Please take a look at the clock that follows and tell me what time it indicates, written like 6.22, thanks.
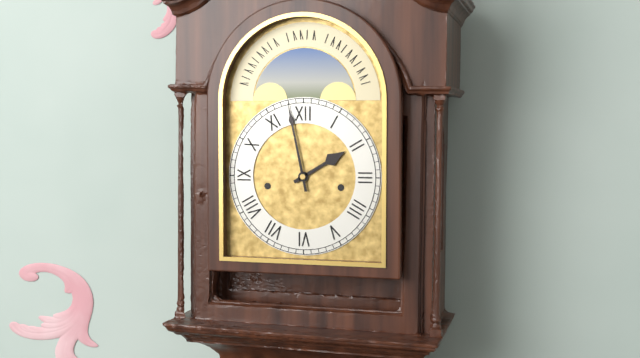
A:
1.58
